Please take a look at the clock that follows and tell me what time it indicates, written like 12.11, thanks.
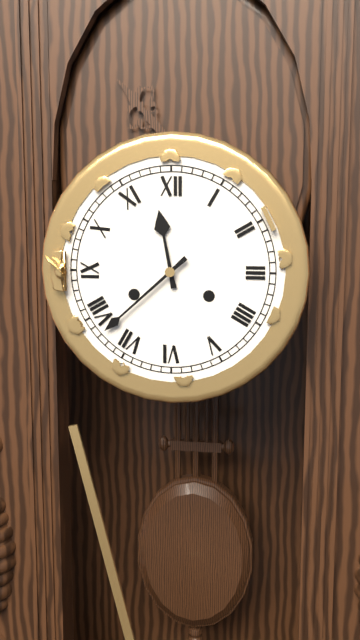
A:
11.38
